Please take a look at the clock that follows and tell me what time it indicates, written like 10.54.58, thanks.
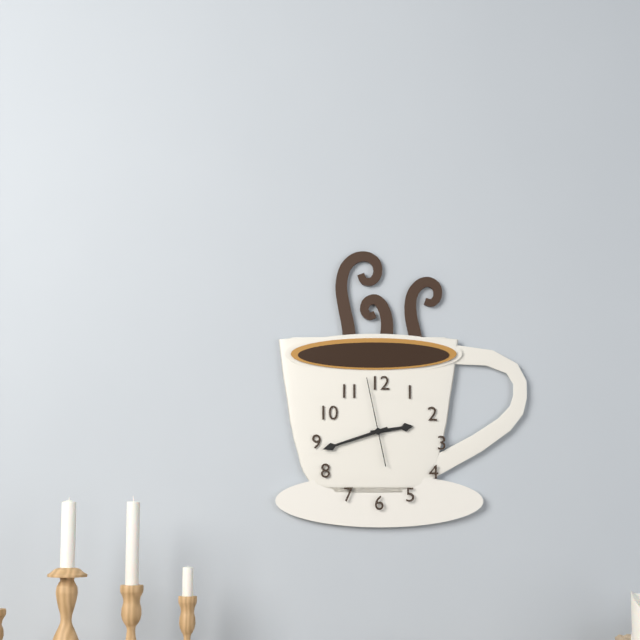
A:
2.42.58
